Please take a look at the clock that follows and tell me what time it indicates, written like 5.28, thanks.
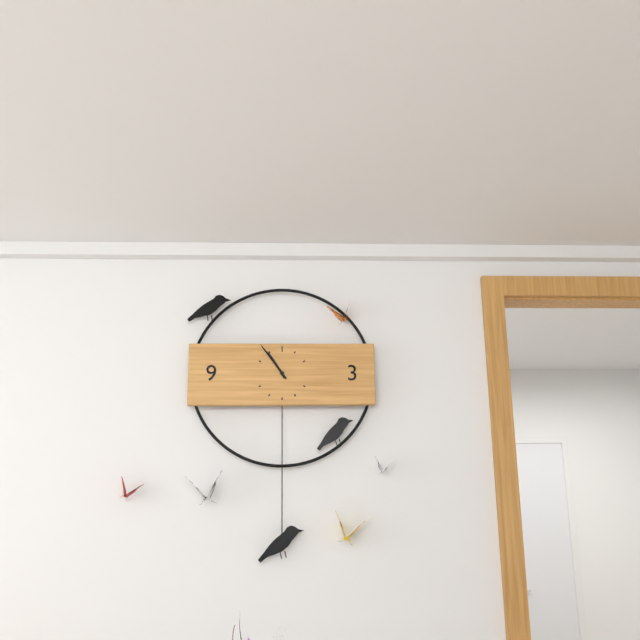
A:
10.54
